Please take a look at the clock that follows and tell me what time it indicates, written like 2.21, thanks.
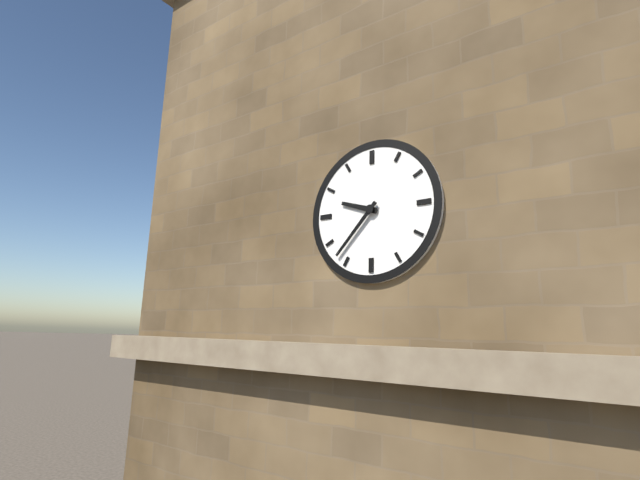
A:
9.37
